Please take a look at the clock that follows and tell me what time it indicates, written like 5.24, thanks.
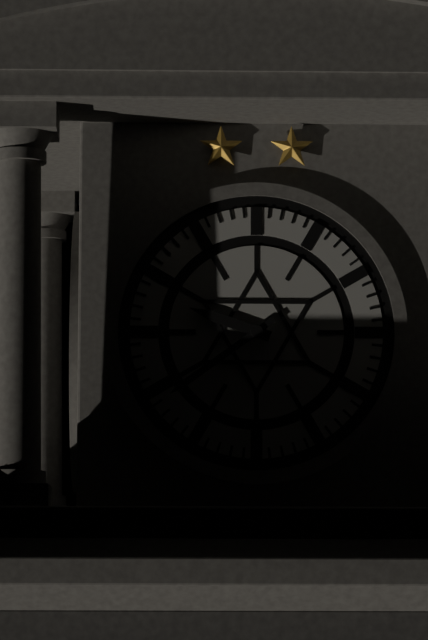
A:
9.39
